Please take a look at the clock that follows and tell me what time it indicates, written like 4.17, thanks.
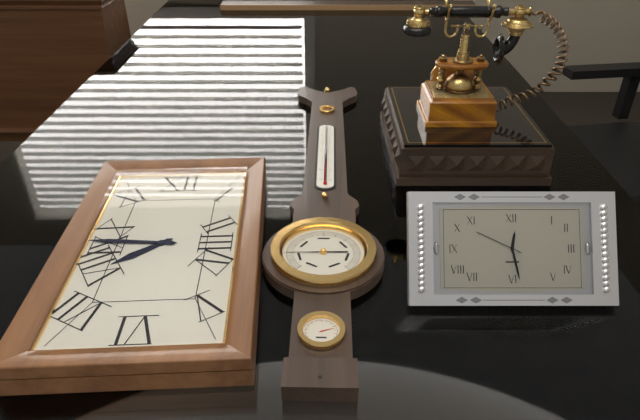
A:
7.46
